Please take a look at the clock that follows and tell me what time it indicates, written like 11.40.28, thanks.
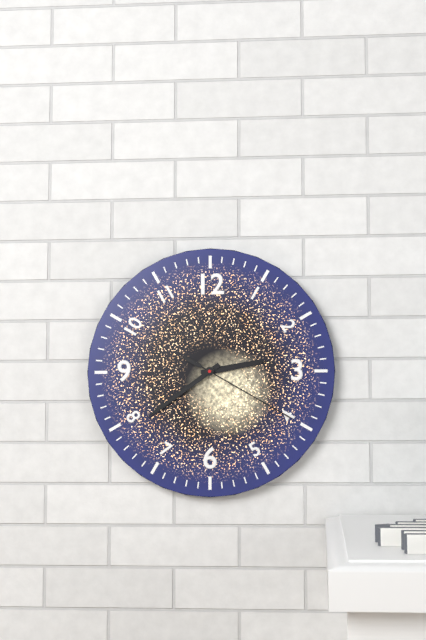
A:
2.39.20
